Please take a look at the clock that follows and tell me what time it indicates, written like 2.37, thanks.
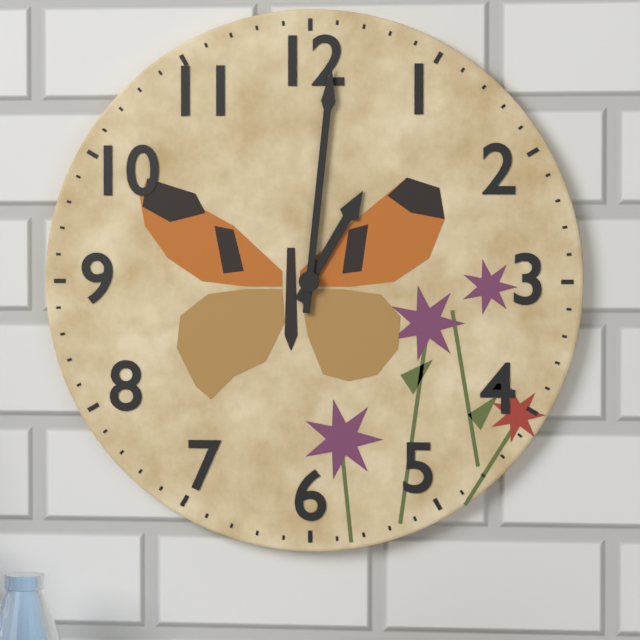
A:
1.01
